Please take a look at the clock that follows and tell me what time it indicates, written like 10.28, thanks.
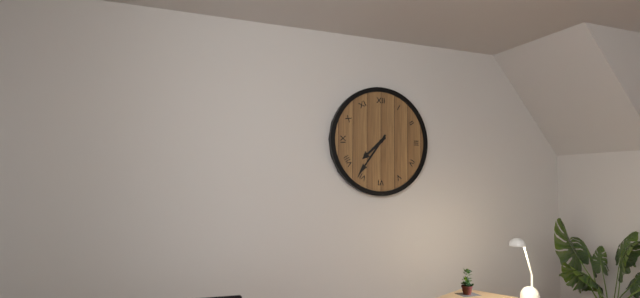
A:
7.36
